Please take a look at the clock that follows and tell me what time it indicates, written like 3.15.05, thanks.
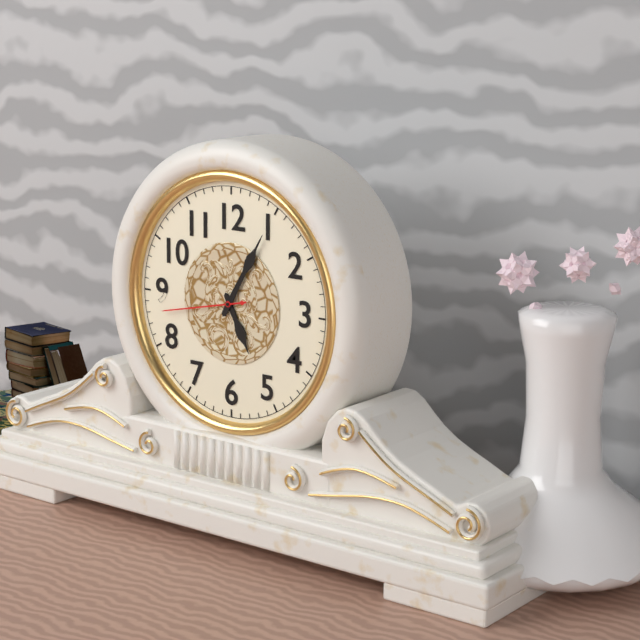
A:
5.05.43
